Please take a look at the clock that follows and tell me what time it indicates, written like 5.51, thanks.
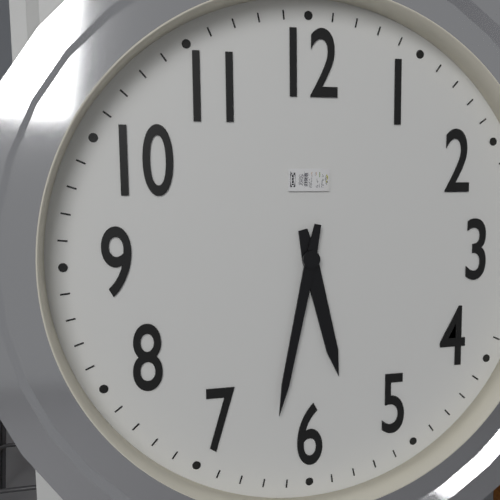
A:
5.32
